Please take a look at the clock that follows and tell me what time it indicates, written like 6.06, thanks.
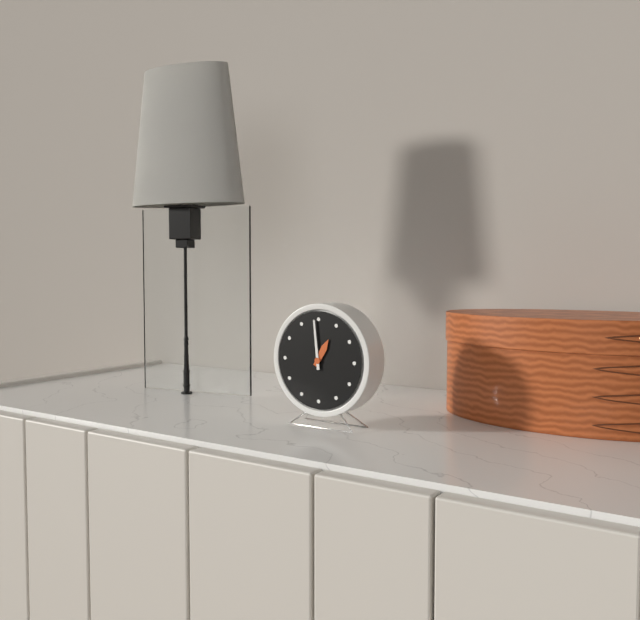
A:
12.59
